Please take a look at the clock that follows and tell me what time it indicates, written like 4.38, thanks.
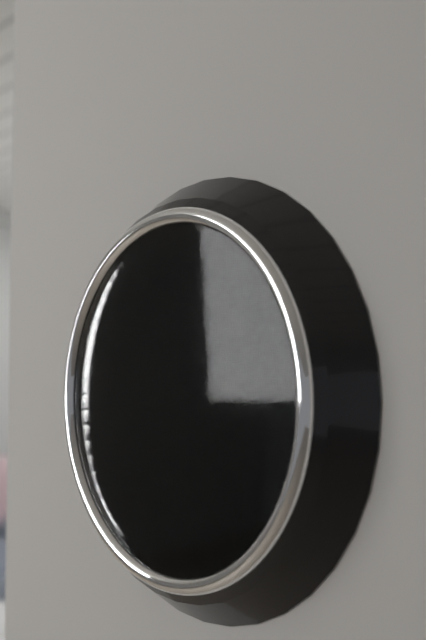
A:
1.41
